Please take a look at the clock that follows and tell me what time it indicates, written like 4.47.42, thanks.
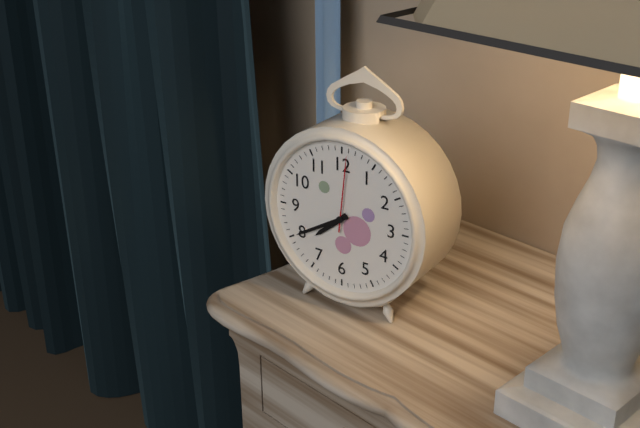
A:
7.40.01
